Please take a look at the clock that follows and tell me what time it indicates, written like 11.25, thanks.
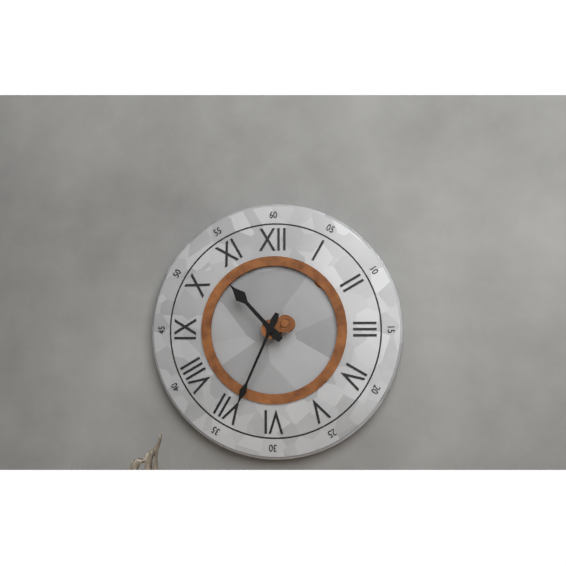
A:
10.34
